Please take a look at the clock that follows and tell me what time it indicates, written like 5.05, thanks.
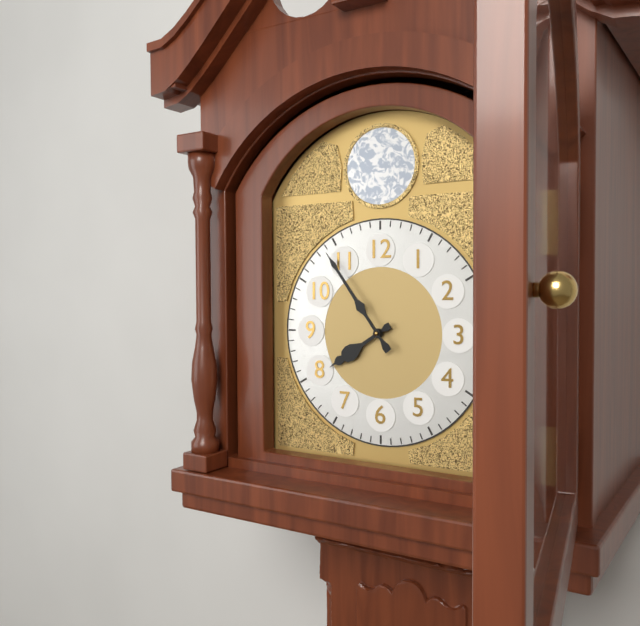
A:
7.54
